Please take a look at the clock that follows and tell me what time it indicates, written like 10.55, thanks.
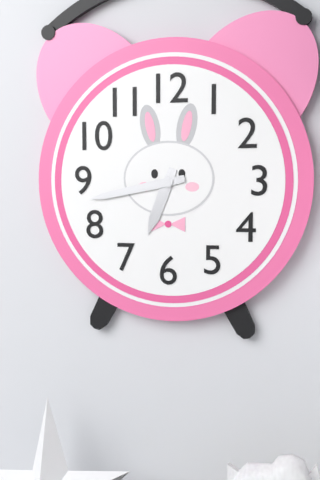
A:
6.43
